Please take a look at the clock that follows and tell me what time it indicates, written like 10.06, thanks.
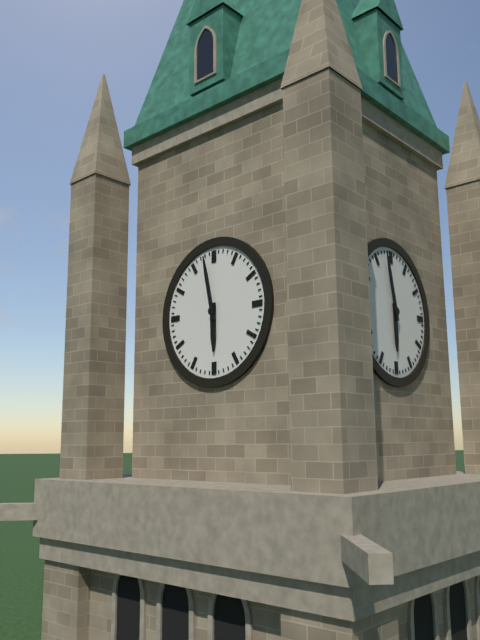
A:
5.58
